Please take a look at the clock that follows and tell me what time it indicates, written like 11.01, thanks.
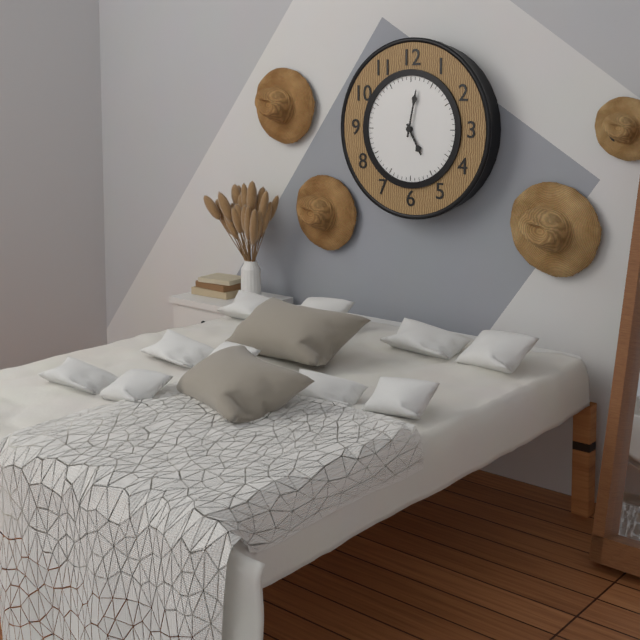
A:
5.02
